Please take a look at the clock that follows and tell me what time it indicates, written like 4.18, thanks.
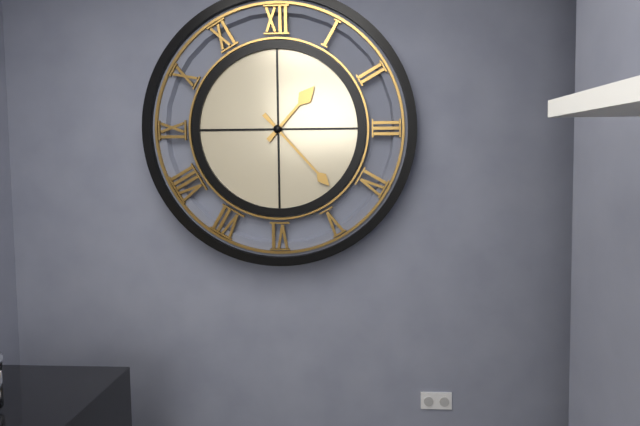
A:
1.23
